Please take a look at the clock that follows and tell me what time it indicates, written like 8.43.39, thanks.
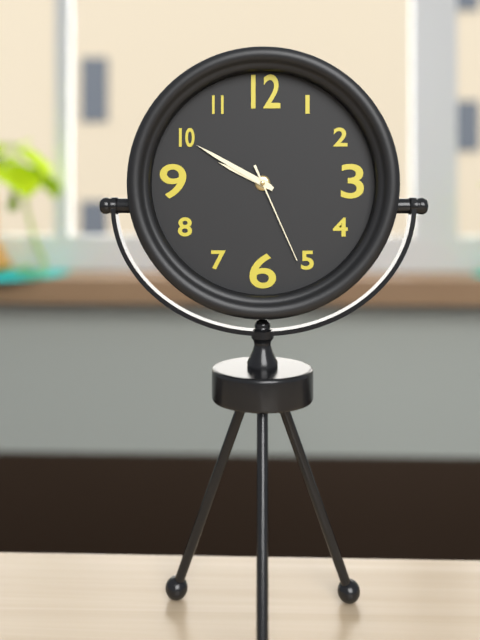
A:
9.50.26
